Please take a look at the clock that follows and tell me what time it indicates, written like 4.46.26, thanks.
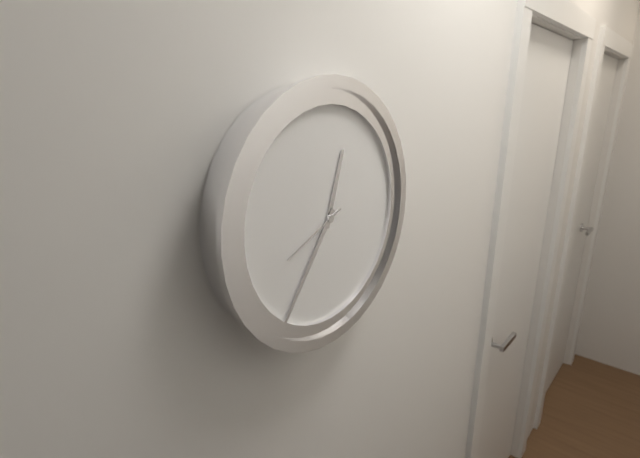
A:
12.36.41
